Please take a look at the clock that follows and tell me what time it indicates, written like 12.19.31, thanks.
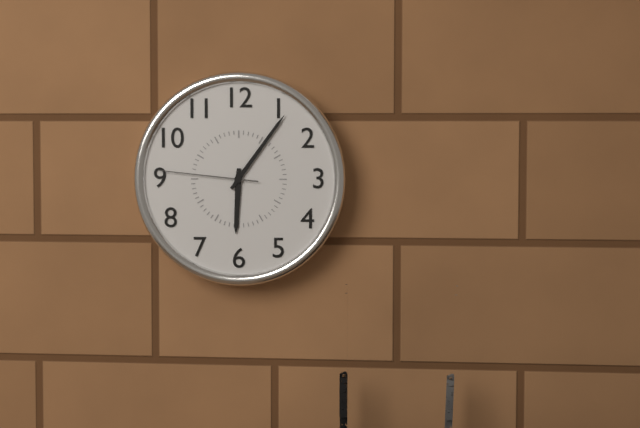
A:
6.06.46
